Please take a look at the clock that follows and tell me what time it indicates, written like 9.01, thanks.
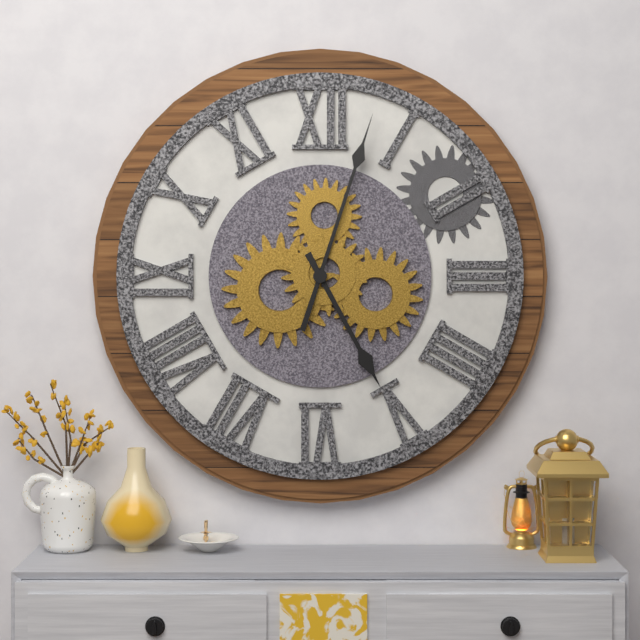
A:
5.03
